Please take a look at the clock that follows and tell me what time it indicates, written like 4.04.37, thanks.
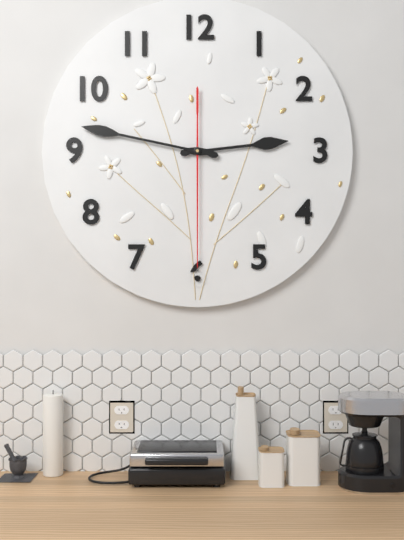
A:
2.47.30
